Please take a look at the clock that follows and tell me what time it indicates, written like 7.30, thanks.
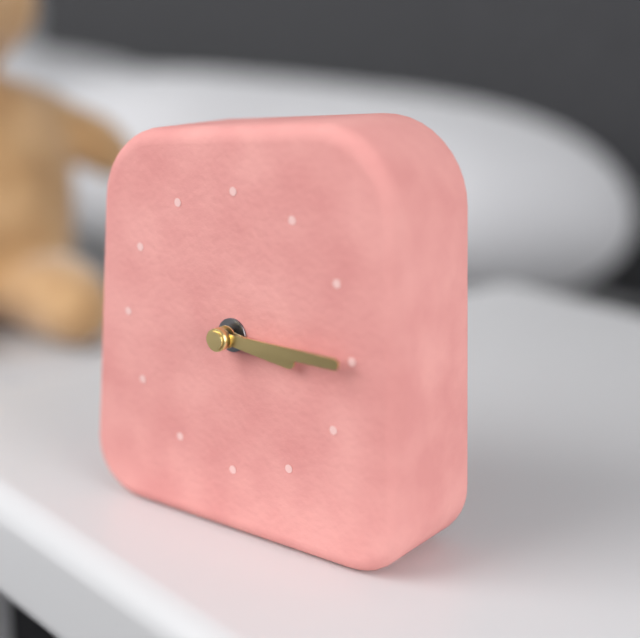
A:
3.15
